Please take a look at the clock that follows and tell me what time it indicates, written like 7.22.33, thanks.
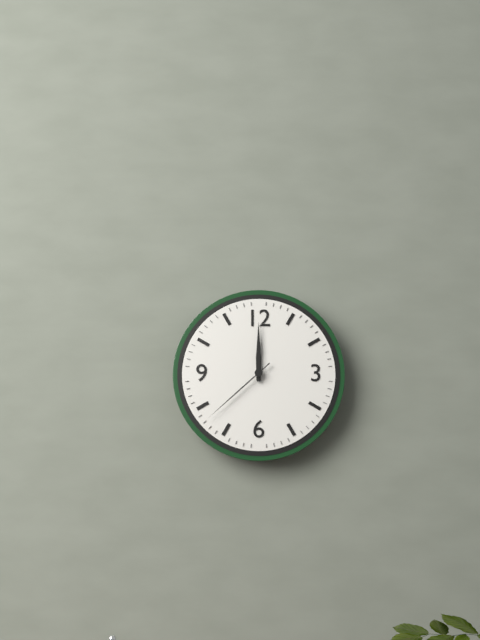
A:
12.00.38
